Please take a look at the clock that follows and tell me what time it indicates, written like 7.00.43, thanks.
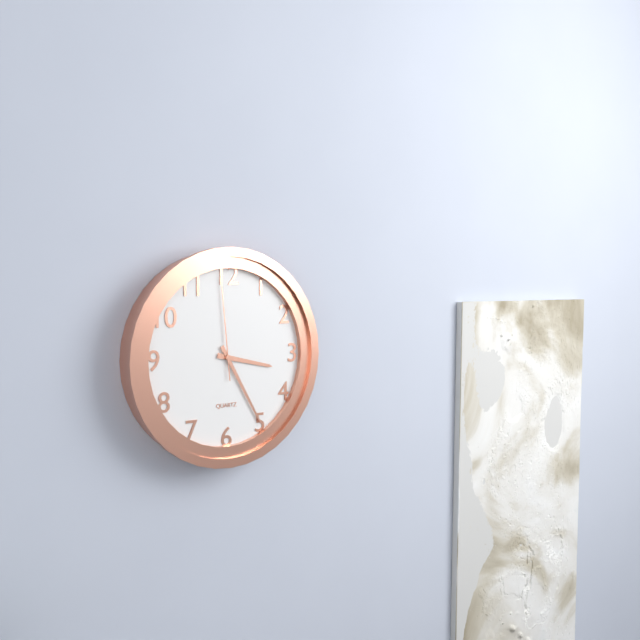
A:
3.25.59
